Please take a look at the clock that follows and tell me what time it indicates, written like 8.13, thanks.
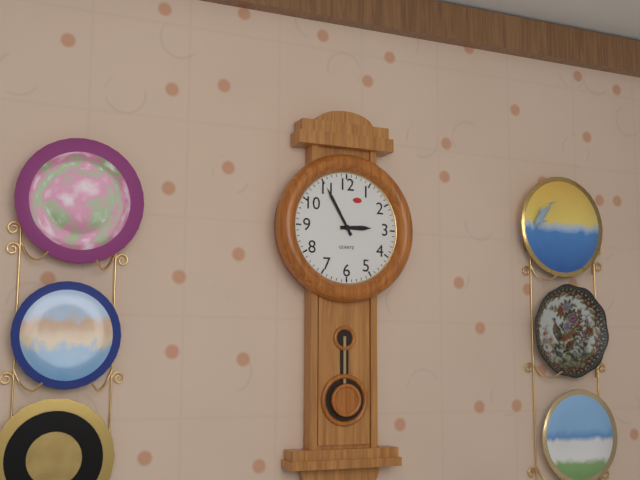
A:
2.55
